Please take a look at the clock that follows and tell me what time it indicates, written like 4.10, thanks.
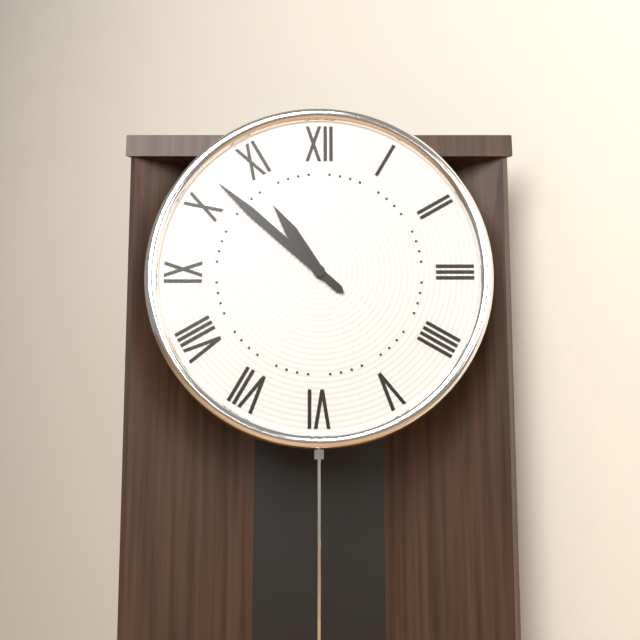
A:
10.52
